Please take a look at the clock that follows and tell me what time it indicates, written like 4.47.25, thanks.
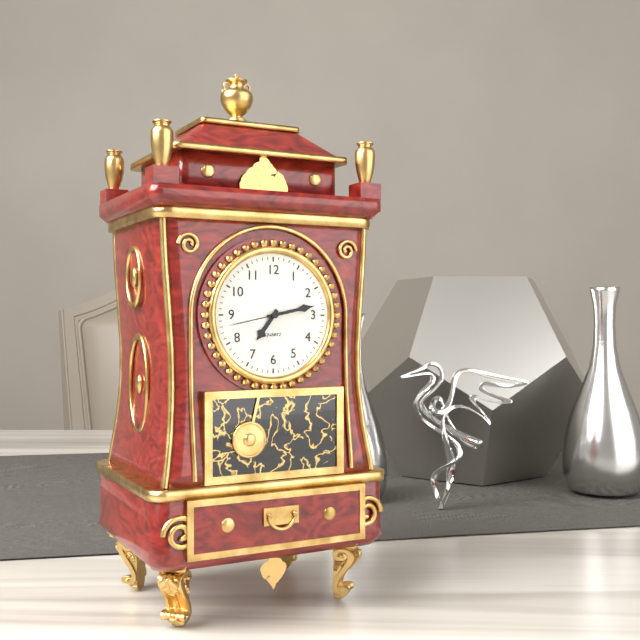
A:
7.13.43
